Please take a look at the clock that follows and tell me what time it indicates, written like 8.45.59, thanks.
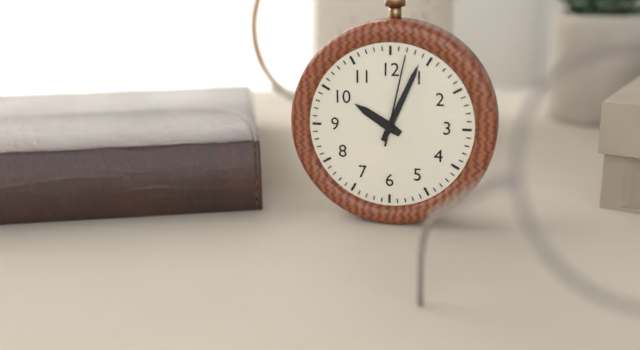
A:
10.04.02
